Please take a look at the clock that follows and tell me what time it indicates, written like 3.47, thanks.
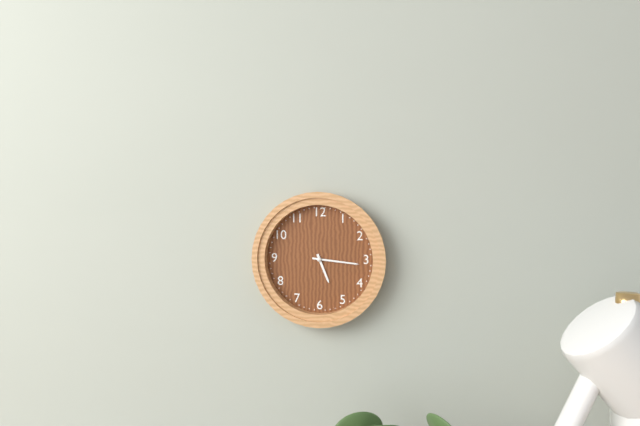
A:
5.16
